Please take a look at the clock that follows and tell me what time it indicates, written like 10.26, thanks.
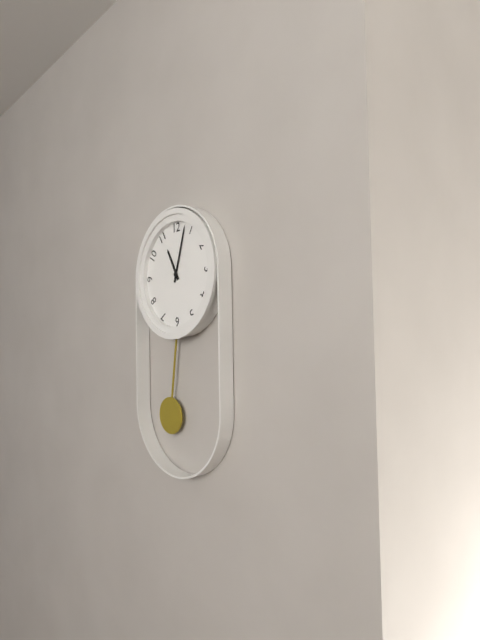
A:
11.03
